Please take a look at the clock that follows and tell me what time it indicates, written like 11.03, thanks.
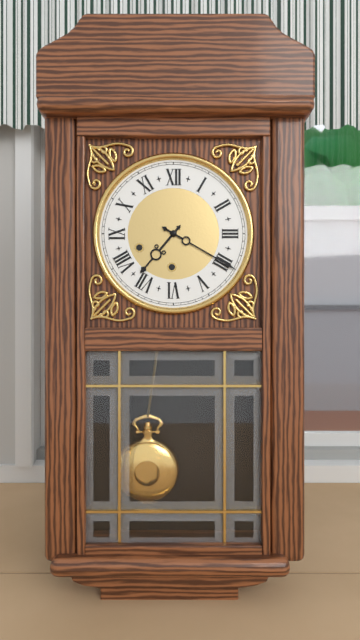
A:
7.20
